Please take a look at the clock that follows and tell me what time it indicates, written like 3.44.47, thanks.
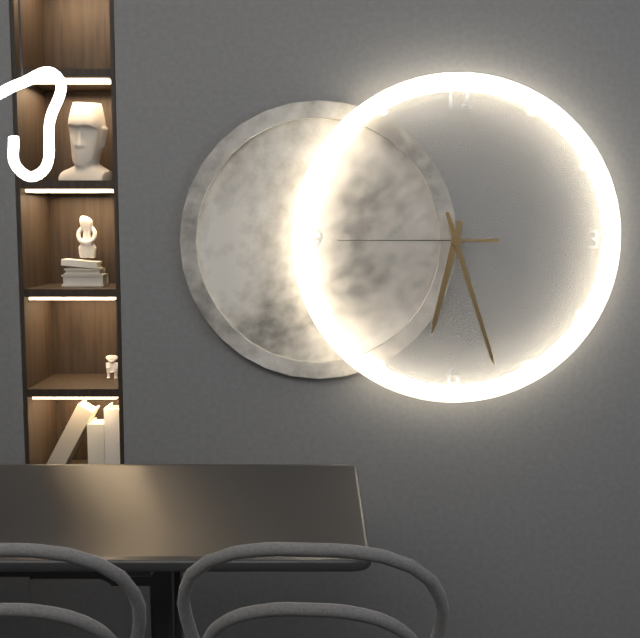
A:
6.27.45
